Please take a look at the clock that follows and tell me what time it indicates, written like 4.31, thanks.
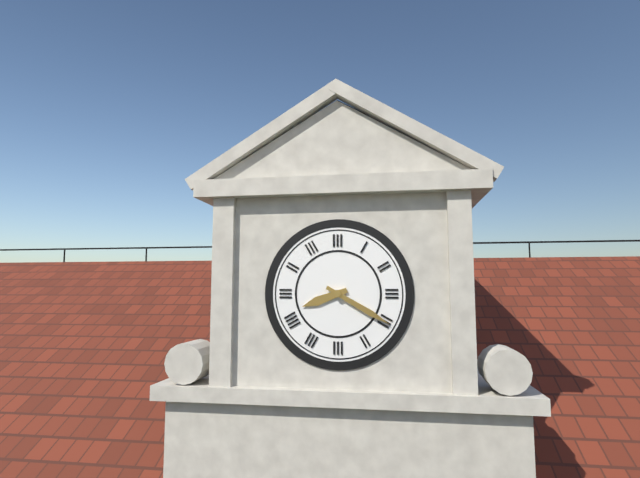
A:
8.20
